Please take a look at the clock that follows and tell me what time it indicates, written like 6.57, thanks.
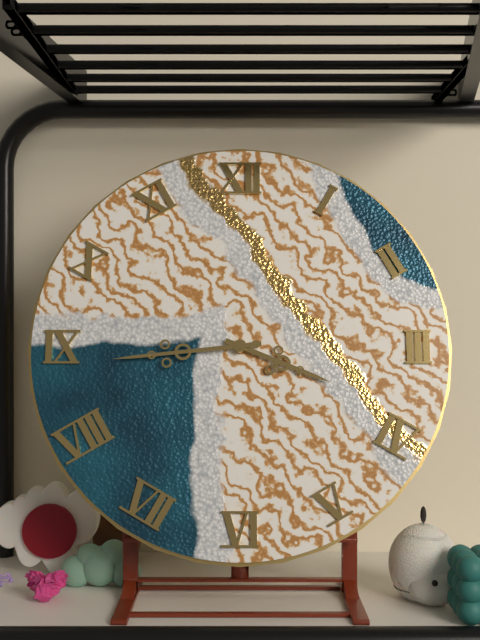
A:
3.44
